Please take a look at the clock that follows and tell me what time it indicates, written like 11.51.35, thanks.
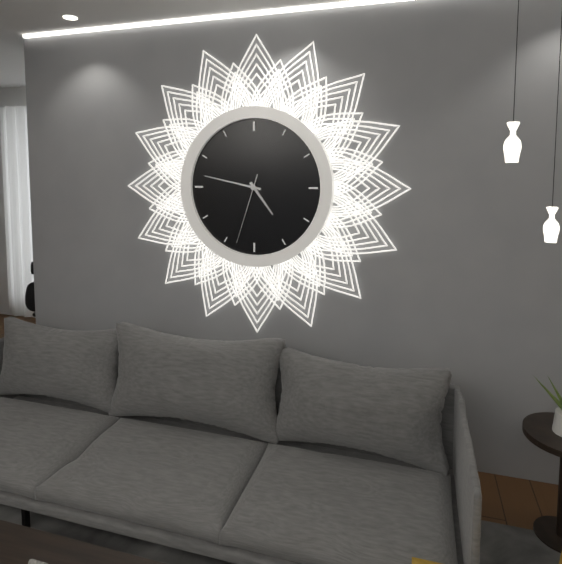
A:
4.47.33
